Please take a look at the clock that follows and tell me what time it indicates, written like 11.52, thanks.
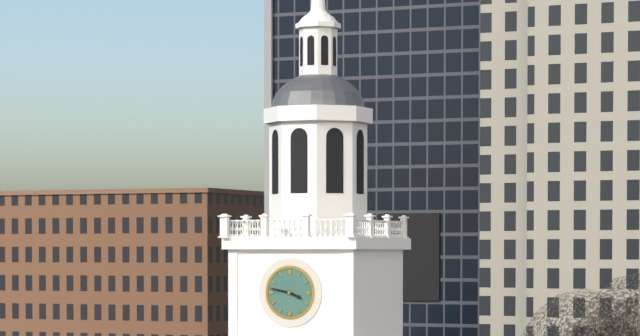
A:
3.47
